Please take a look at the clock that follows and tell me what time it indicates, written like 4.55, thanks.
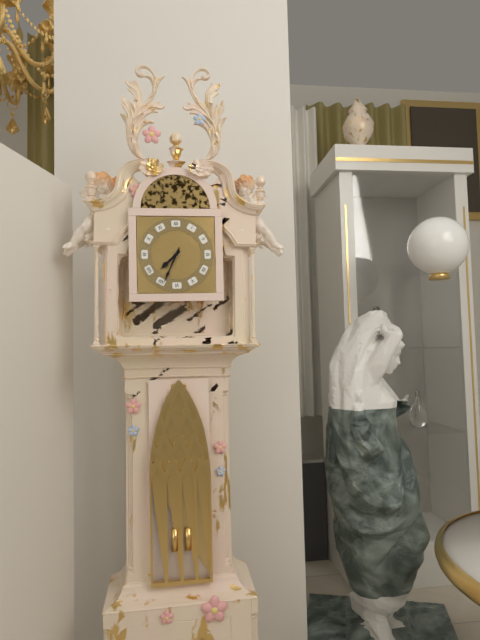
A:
7.34
